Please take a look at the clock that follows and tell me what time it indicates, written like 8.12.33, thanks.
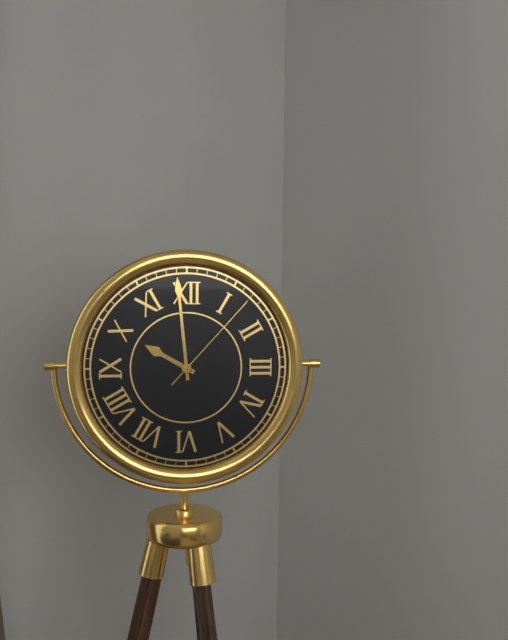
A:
9.59.07
